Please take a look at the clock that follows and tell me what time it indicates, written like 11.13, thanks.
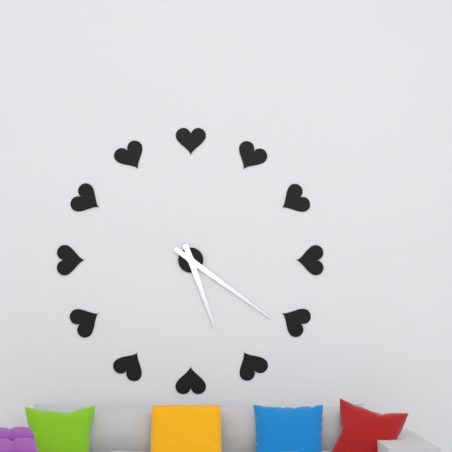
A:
5.21
